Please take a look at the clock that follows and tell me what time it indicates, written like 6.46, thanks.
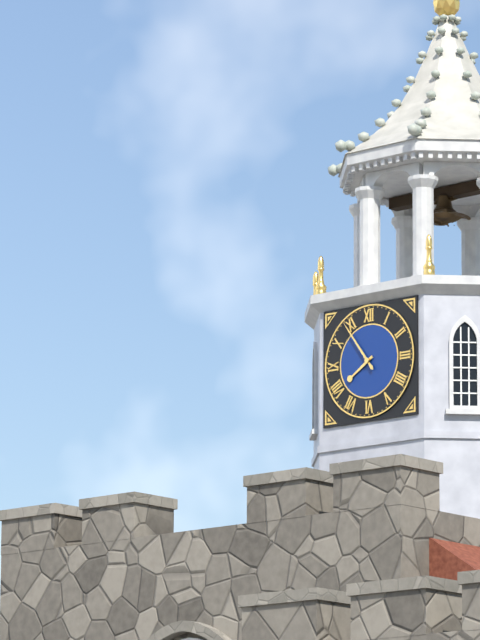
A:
7.54
